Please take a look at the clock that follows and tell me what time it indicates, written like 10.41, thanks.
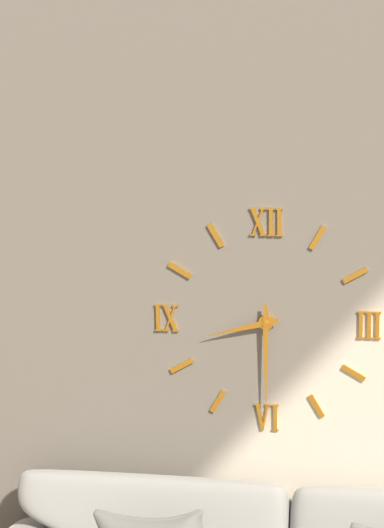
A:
8.30
